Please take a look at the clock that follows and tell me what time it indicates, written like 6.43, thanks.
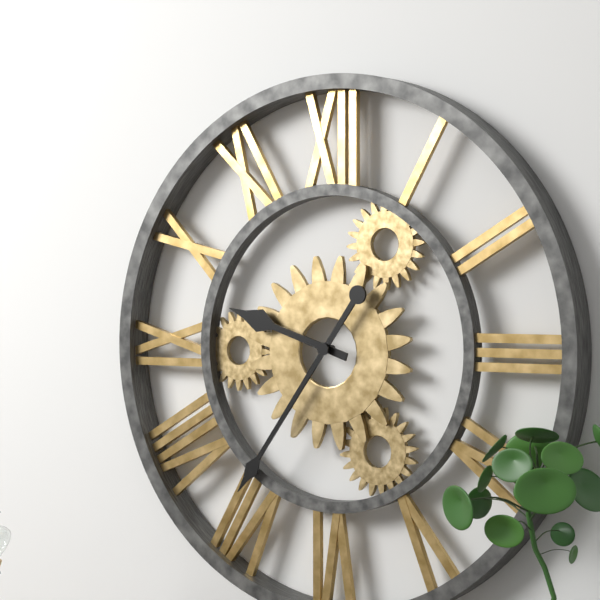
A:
9.36
